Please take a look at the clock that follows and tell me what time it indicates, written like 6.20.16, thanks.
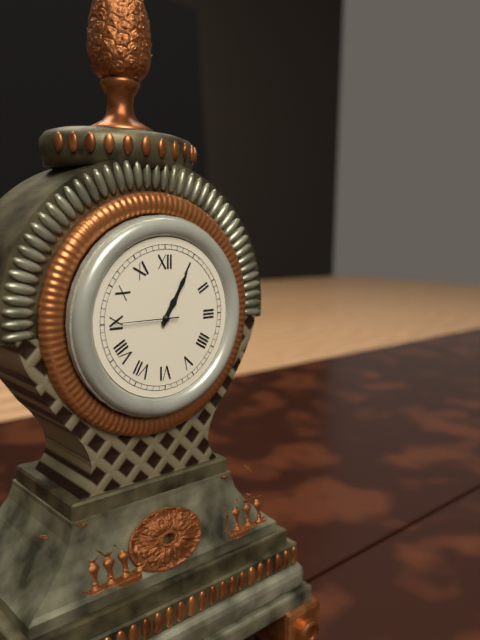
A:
1.05.45
